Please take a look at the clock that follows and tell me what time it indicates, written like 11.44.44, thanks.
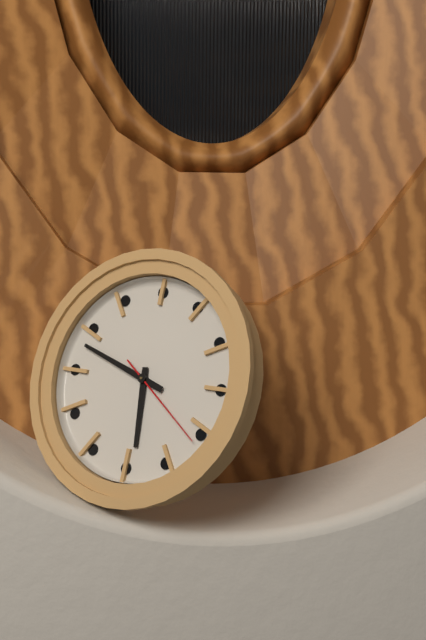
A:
5.48.21
